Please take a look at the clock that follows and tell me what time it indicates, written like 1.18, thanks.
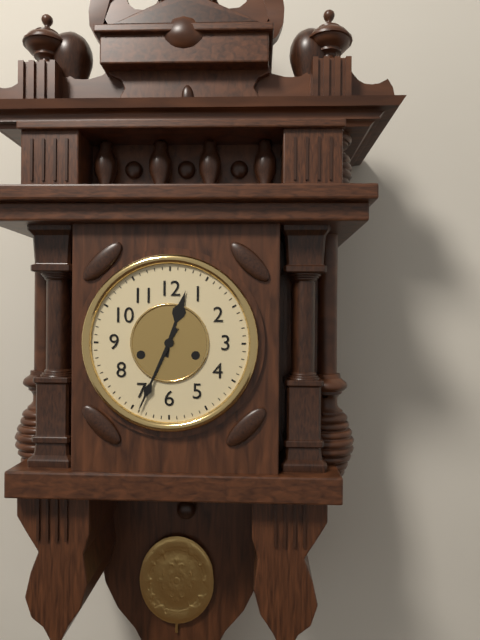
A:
12.34
